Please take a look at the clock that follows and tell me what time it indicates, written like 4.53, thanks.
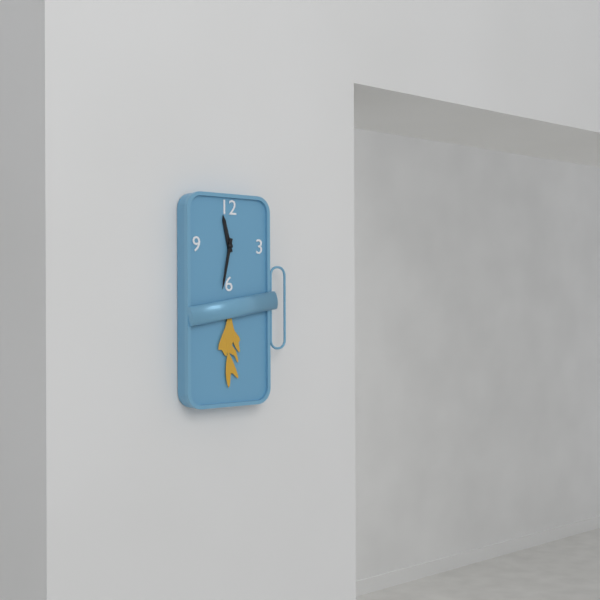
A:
11.32
